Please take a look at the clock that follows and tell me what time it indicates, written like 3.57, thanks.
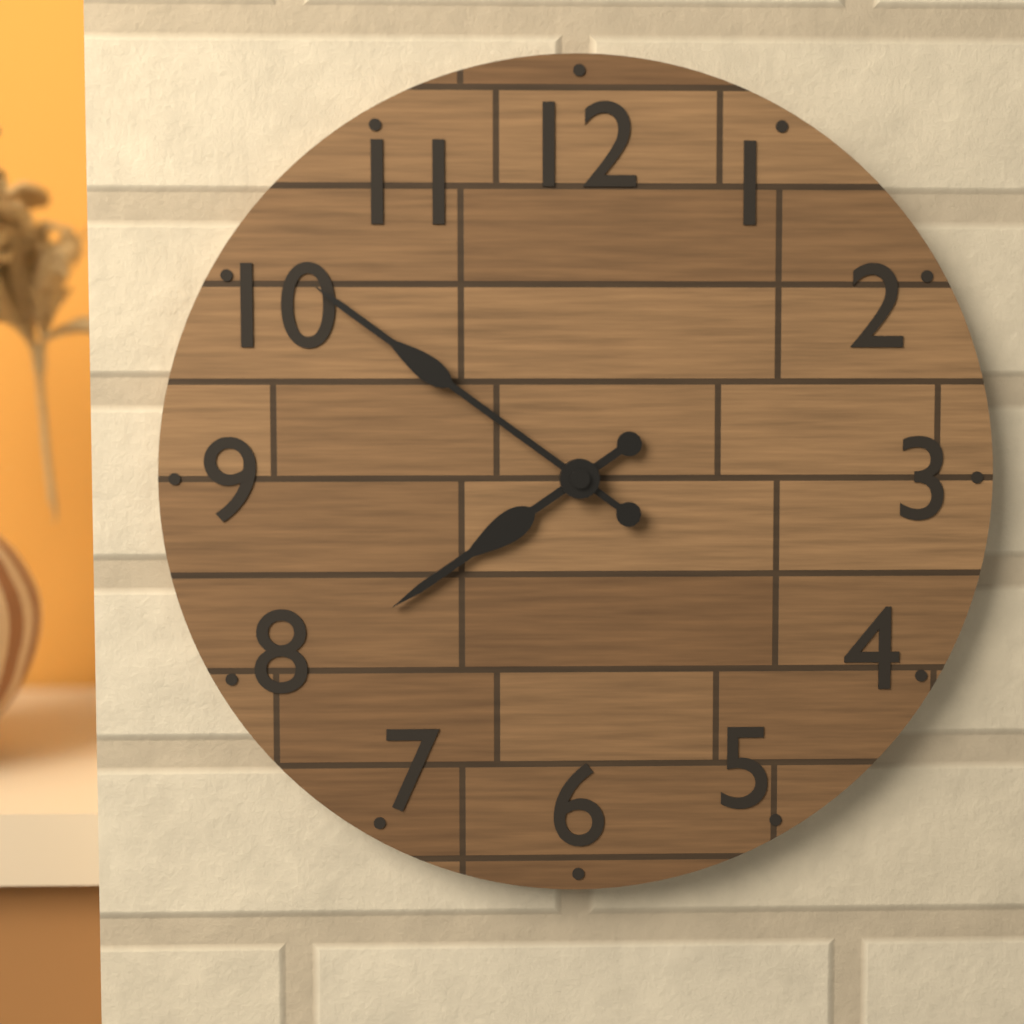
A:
7.51
